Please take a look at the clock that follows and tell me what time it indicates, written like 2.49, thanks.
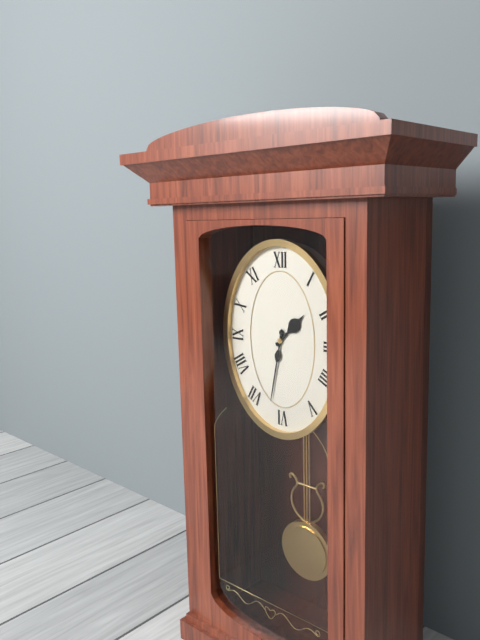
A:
1.32
